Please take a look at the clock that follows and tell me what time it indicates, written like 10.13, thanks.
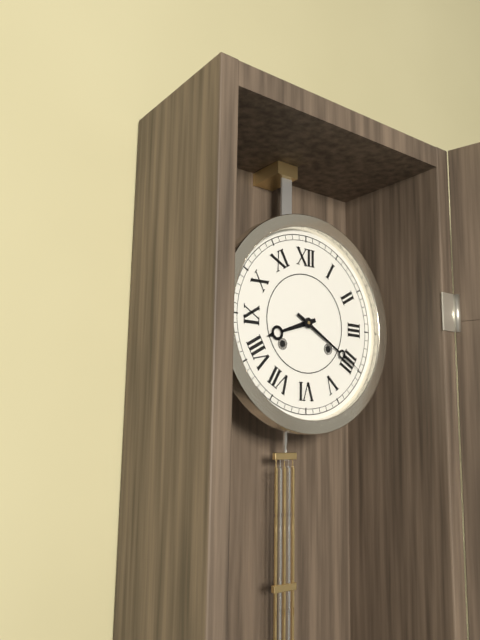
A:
8.20
